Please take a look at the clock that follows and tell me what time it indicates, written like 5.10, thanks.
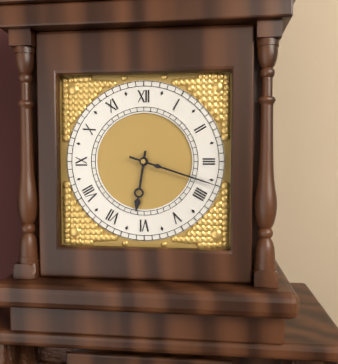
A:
6.18
